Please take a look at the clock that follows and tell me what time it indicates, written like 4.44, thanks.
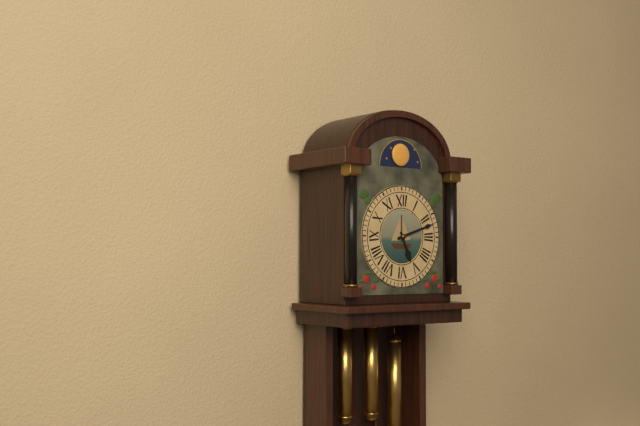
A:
5.12
